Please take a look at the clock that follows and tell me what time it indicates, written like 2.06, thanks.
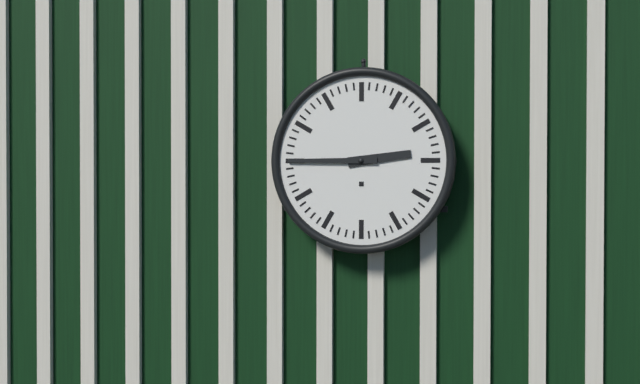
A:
2.45
